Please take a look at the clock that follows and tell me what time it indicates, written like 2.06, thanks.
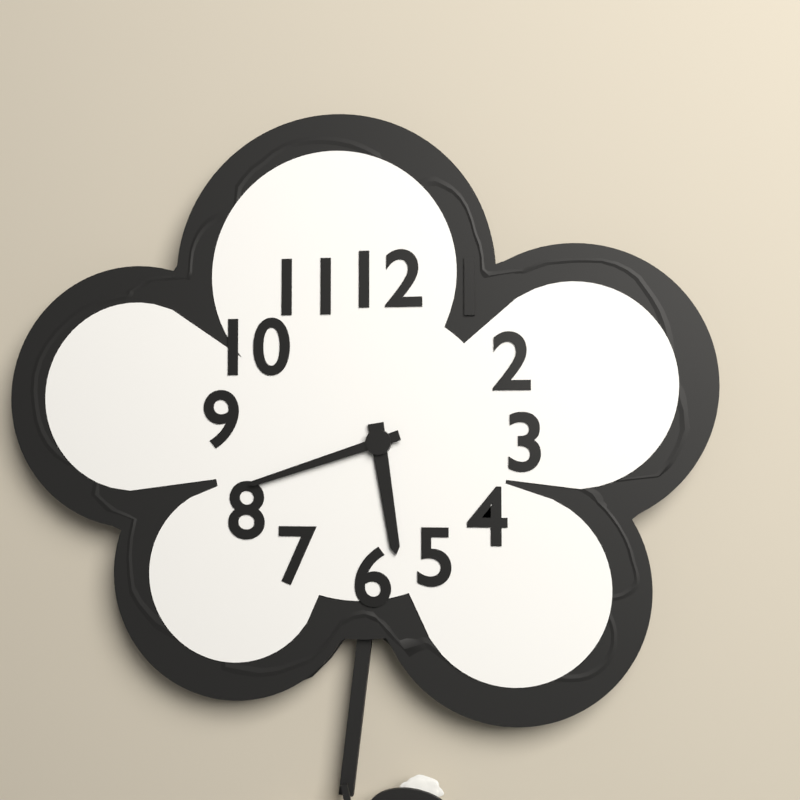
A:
5.42
